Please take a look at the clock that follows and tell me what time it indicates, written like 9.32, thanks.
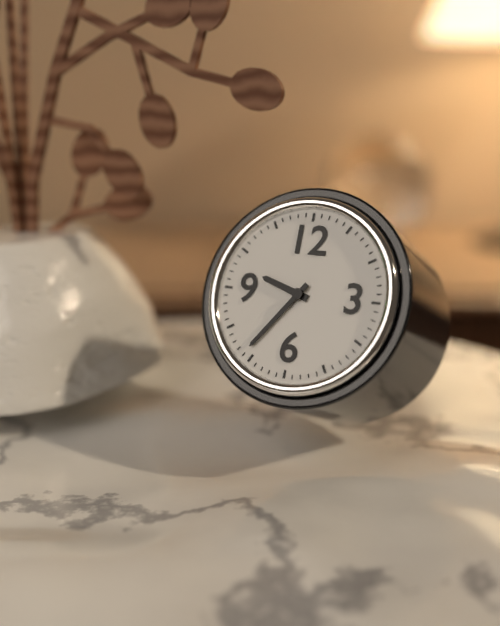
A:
9.36
